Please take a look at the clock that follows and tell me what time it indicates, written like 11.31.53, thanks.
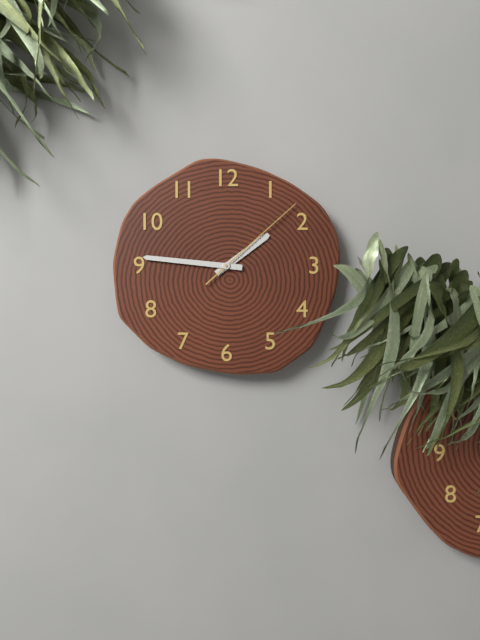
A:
1.46.08
